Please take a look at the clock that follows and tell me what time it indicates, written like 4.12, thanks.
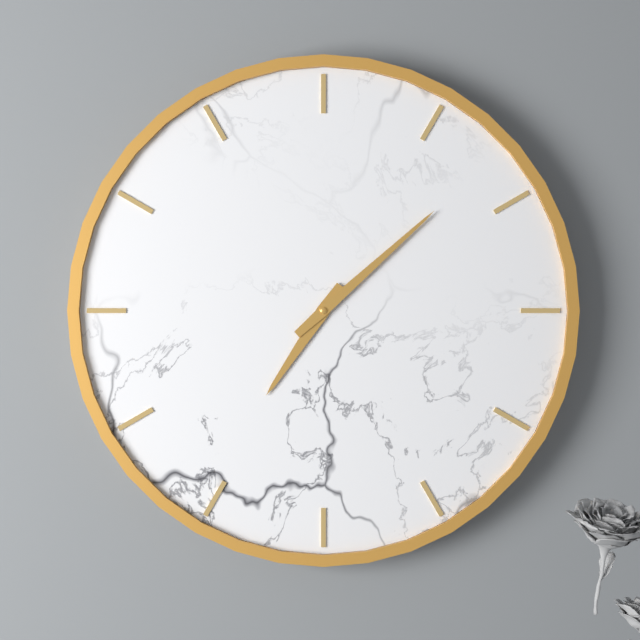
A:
7.08
